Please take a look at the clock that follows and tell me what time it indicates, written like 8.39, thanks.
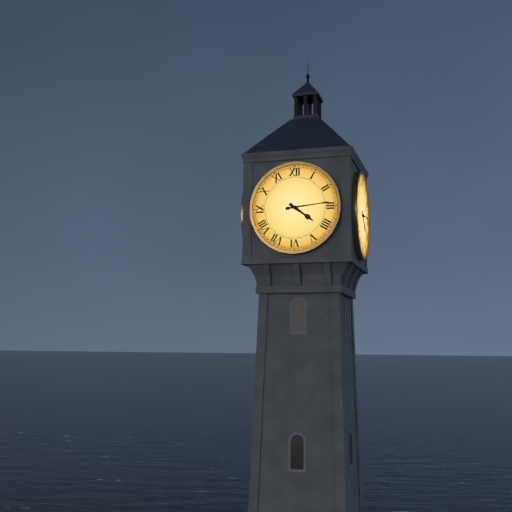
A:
4.14
